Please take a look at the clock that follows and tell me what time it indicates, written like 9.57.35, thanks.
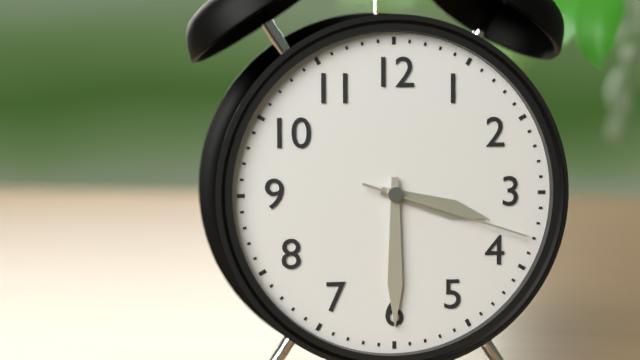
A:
3.30.18
